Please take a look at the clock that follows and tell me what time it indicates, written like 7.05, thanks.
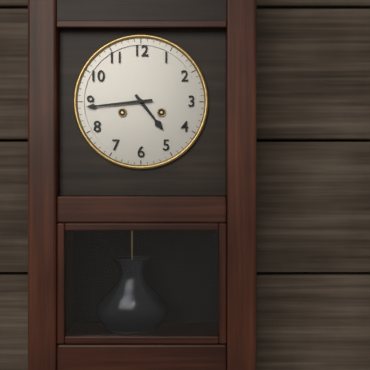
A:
4.44
